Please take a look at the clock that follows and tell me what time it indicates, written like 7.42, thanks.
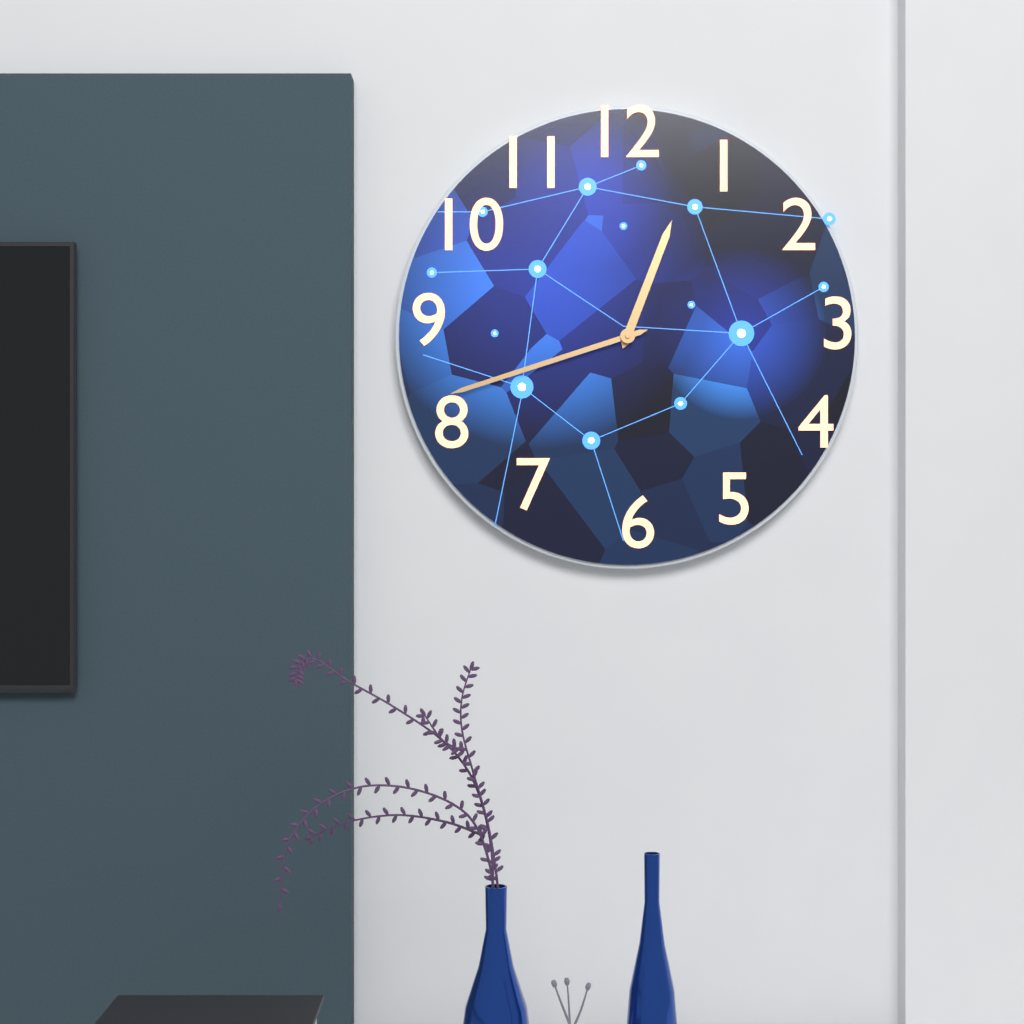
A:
12.42
